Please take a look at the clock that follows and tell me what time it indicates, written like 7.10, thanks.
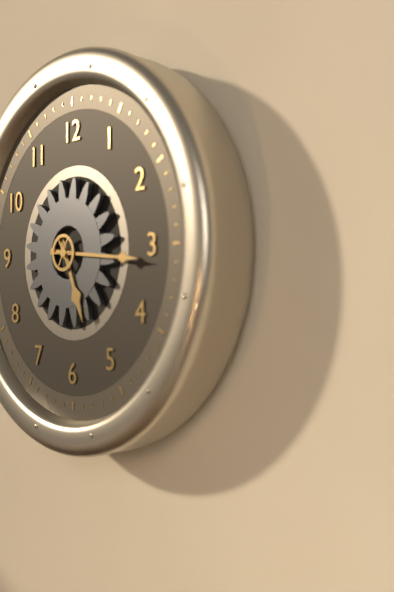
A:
5.16
